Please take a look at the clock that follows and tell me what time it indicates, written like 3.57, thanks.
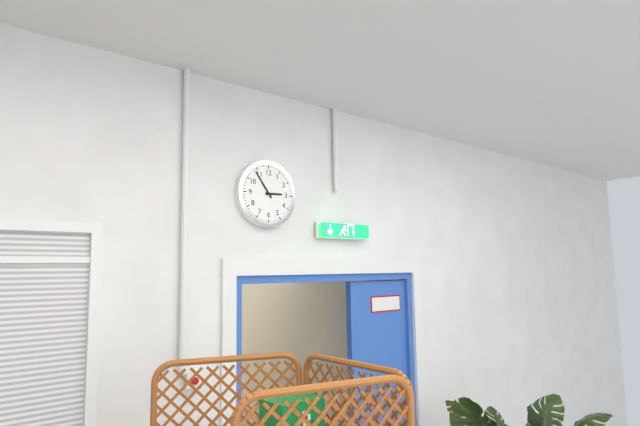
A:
2.54
